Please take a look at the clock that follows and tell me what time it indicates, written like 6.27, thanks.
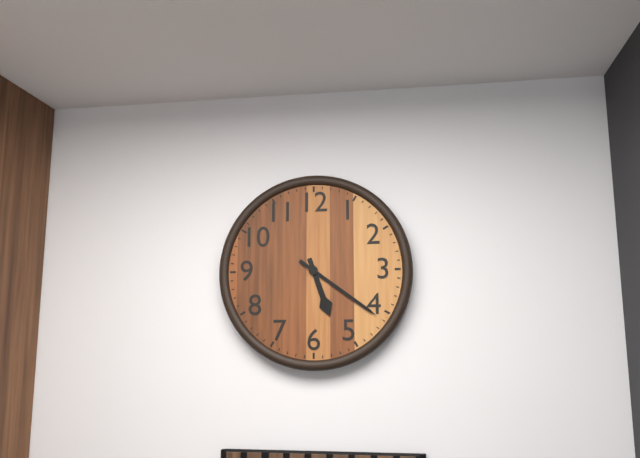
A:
5.21
